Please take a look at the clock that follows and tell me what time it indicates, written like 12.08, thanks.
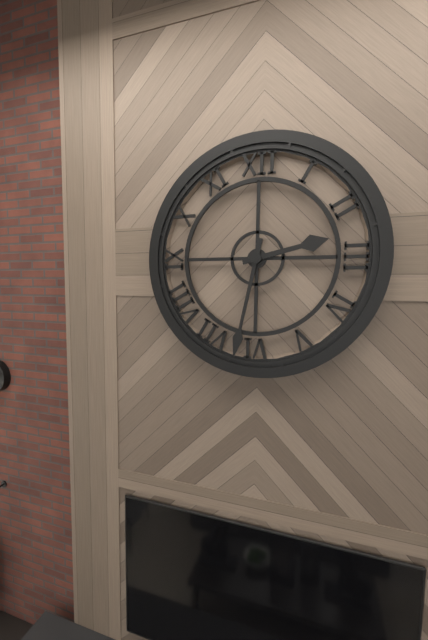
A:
2.32
